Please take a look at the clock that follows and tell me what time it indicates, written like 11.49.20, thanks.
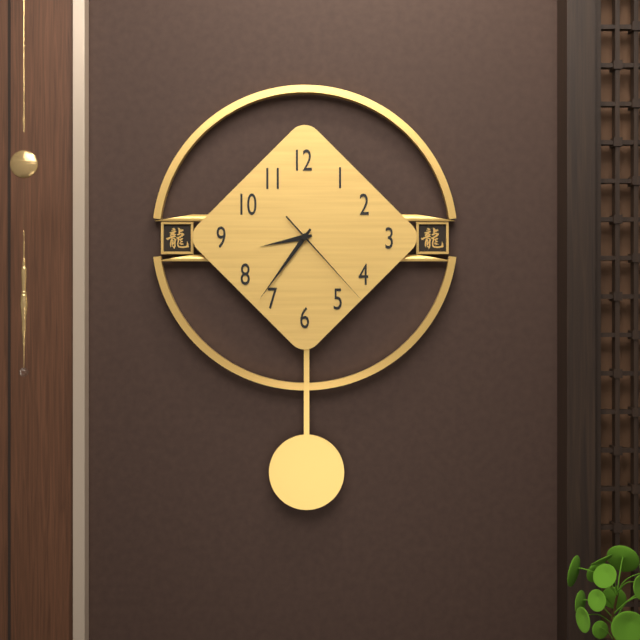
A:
8.36.23
